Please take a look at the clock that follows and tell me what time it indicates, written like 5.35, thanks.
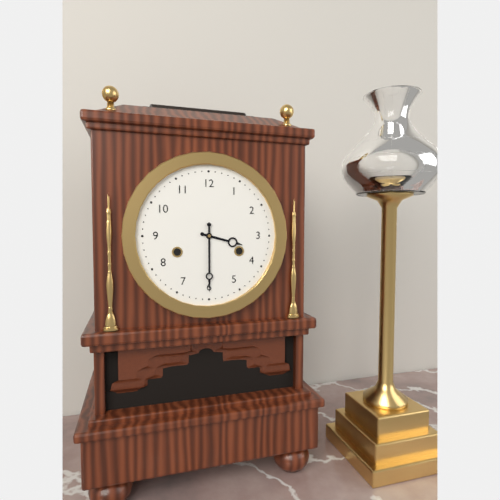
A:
3.30
